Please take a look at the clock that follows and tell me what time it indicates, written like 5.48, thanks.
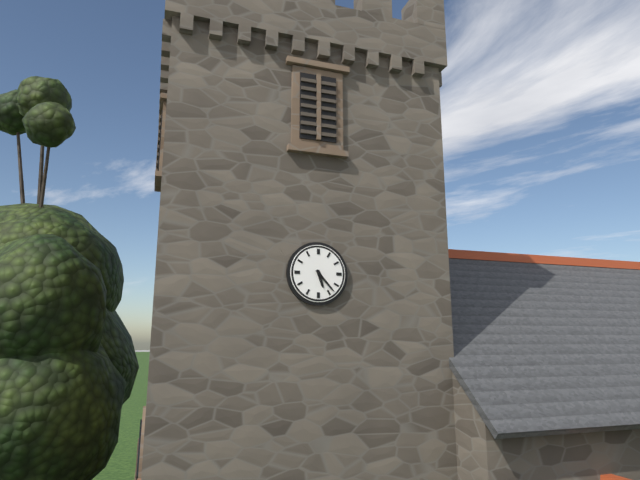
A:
5.23
